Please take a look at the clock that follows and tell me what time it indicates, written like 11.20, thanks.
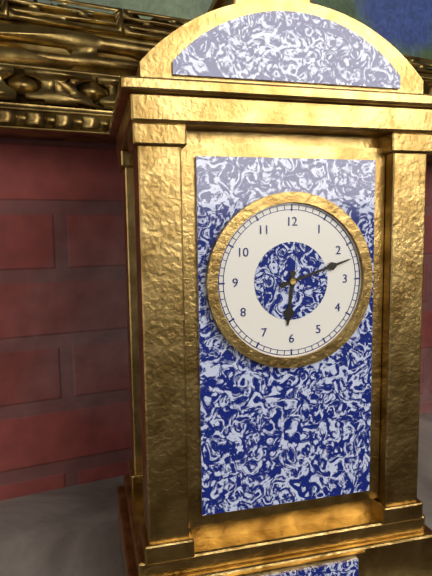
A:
6.12
